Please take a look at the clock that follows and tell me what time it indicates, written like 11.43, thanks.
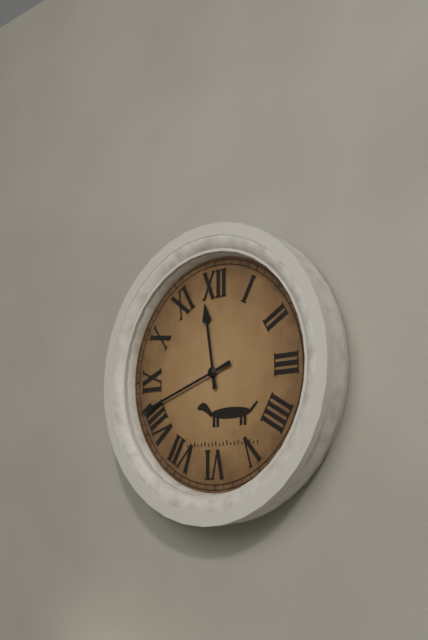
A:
11.42
